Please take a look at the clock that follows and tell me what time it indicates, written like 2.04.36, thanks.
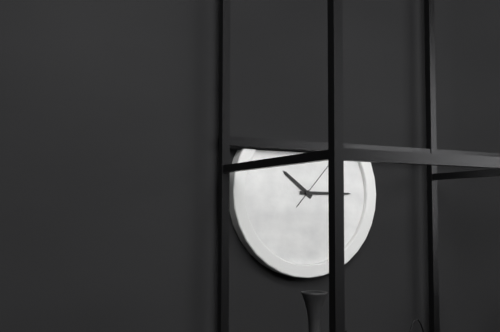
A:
10.15.07
